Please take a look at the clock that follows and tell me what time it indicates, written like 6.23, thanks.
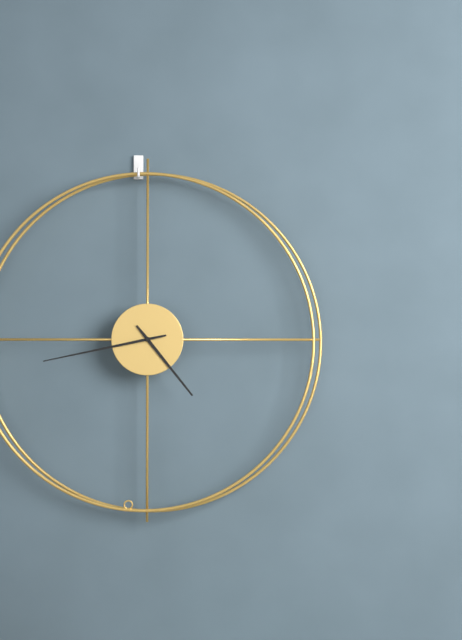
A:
4.43
